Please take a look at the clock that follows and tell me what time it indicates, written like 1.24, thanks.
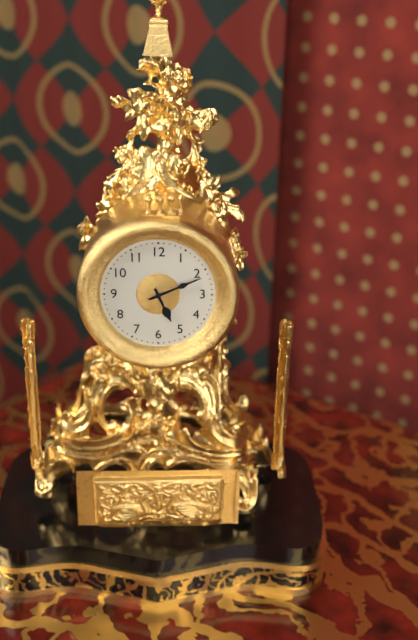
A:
5.11
